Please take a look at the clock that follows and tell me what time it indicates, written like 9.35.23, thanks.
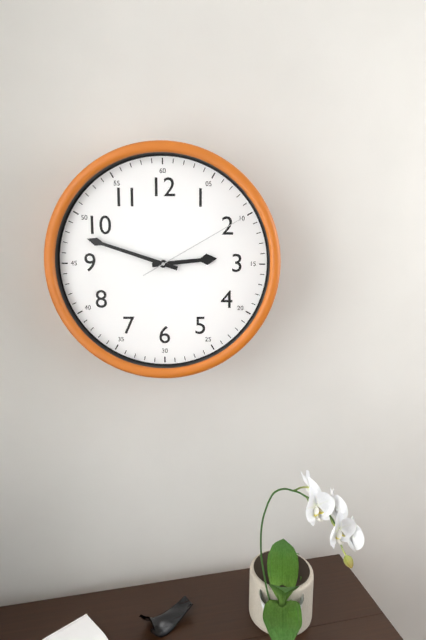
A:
2.48.10
